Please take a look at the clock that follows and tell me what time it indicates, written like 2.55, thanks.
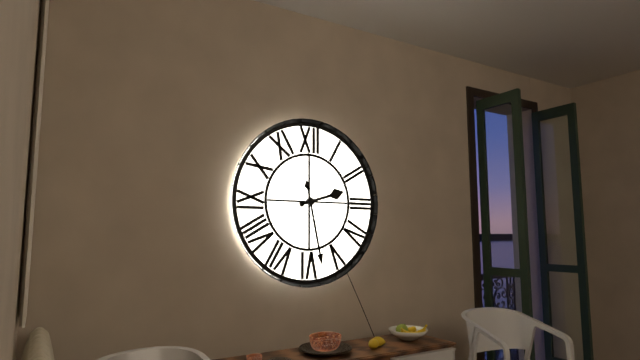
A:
2.28
